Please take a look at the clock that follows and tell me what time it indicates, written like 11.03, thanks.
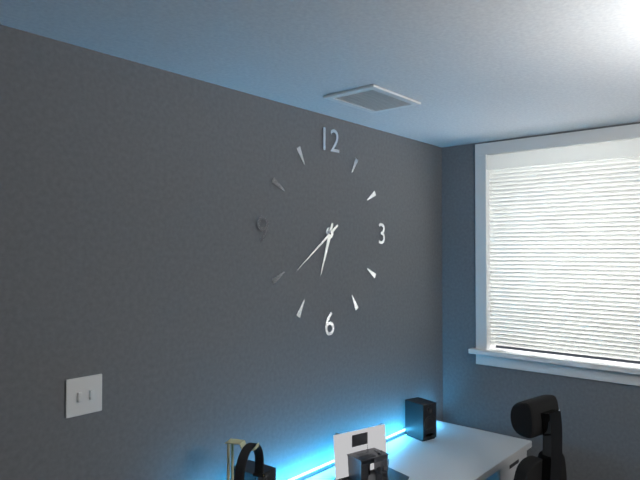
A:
6.39
